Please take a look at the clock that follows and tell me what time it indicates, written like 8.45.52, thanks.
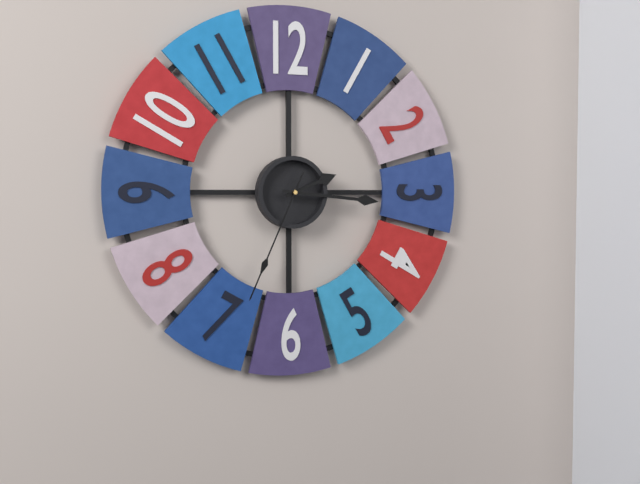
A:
2.16.34
